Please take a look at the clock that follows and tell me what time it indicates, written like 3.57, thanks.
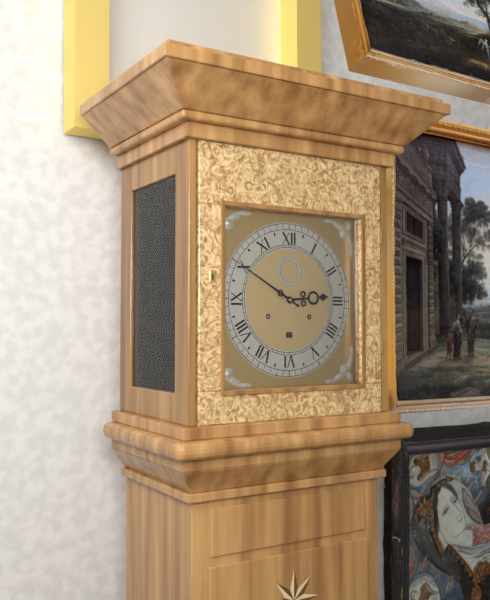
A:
2.50
